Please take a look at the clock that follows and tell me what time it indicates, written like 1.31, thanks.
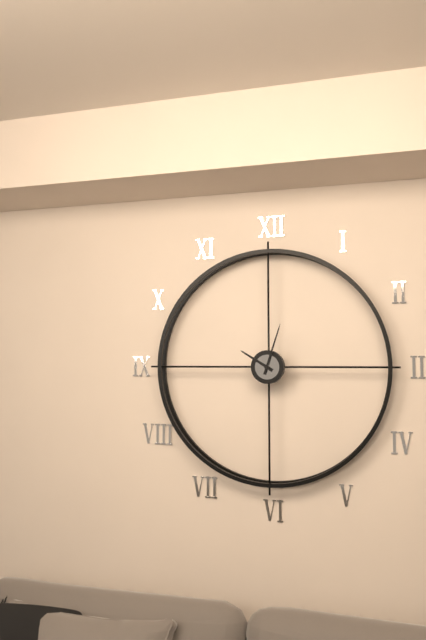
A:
10.03
